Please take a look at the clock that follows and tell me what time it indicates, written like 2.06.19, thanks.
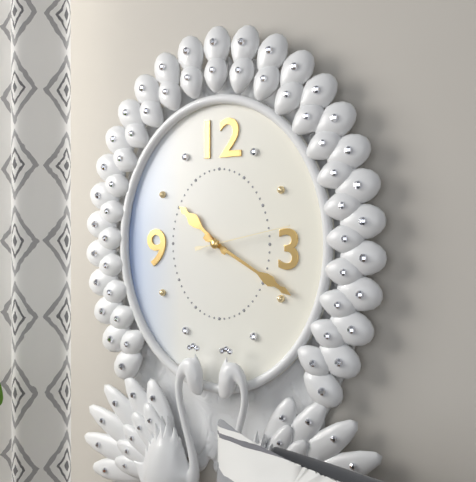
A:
10.20.13
